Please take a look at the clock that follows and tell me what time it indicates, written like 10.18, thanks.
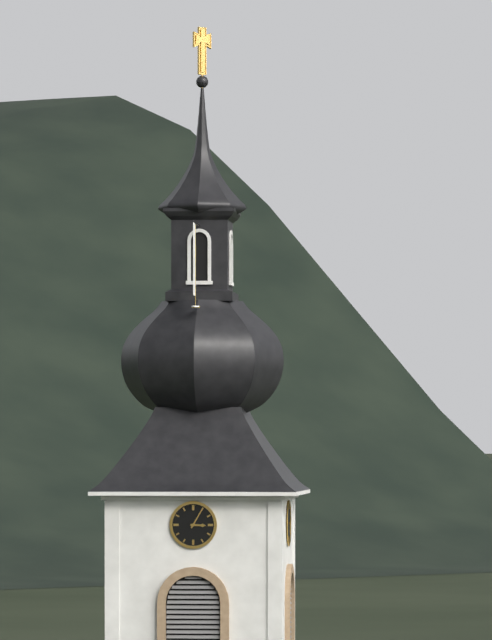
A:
3.05
